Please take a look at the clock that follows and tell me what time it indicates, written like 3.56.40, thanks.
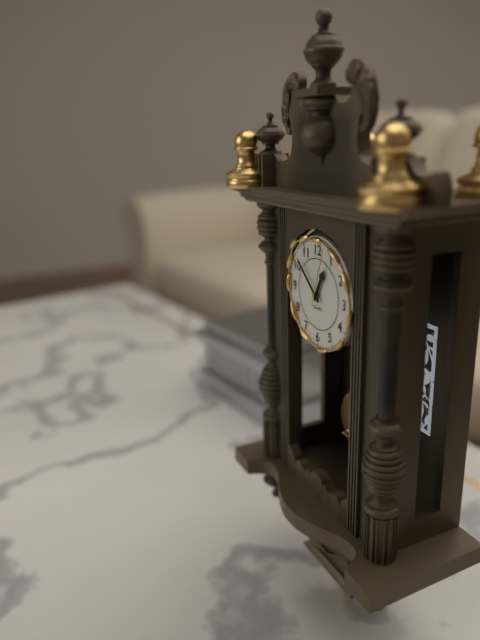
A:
12.52.03
